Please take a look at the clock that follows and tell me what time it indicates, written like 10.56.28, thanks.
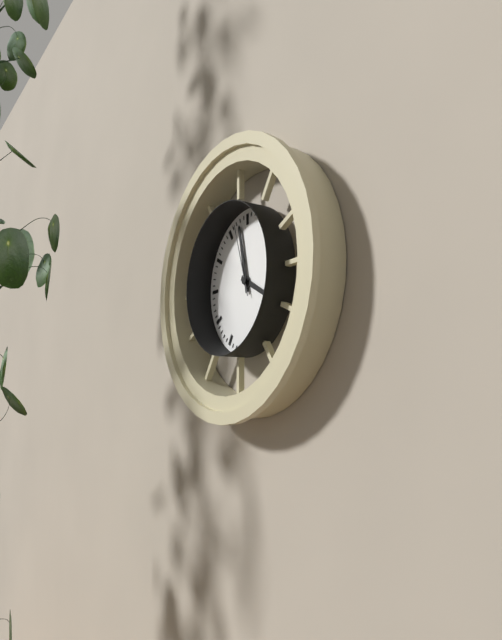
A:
3.58.57
